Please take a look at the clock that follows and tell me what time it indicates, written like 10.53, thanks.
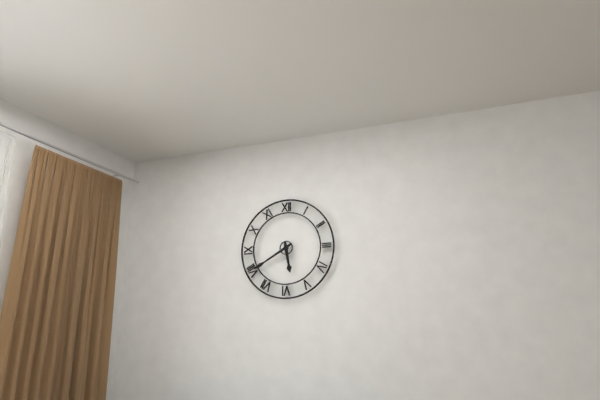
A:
5.40
